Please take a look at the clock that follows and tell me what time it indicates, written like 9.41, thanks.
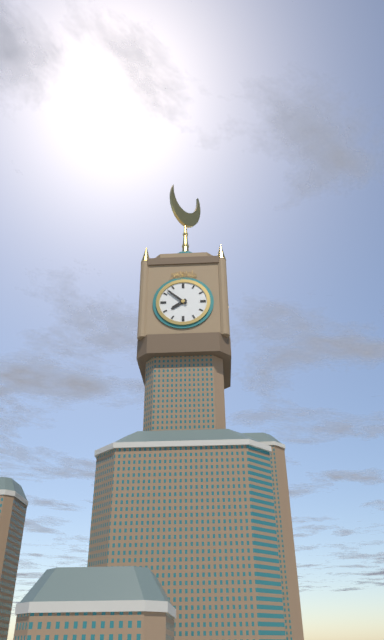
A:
7.52
